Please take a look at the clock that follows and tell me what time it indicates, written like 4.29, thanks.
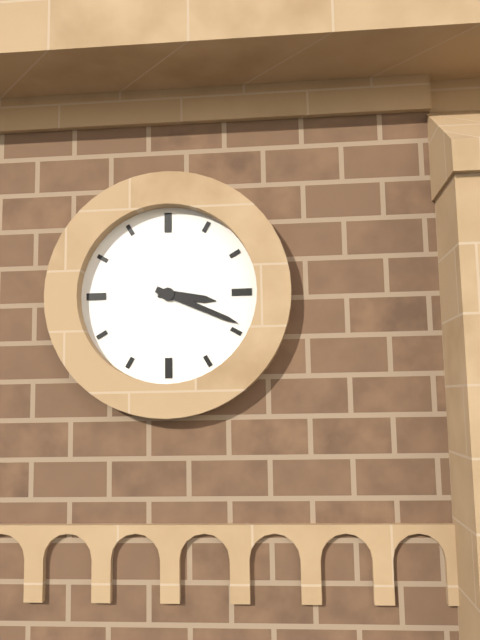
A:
3.19
